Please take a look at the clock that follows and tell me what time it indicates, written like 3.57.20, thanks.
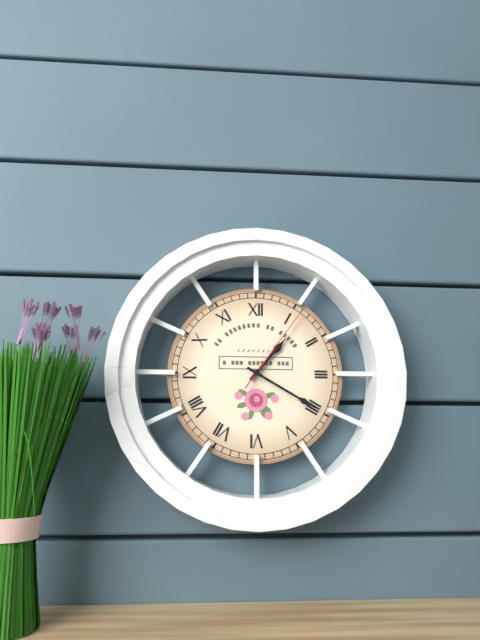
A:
1.20.06
